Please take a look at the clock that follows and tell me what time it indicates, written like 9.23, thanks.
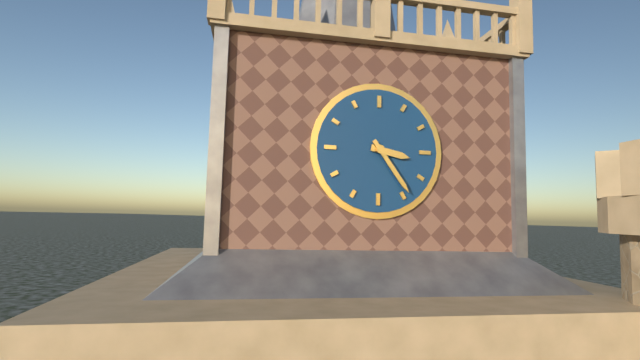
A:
3.24
